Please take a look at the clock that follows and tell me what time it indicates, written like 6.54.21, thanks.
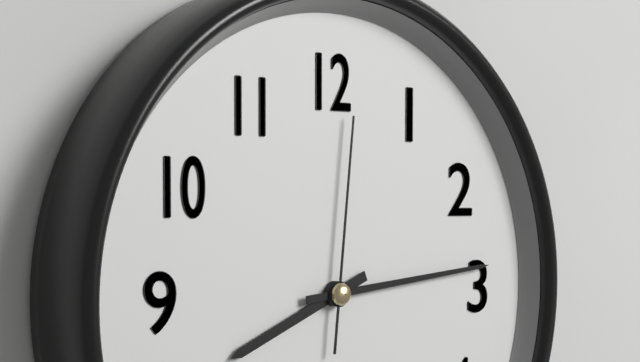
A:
8.14.01
